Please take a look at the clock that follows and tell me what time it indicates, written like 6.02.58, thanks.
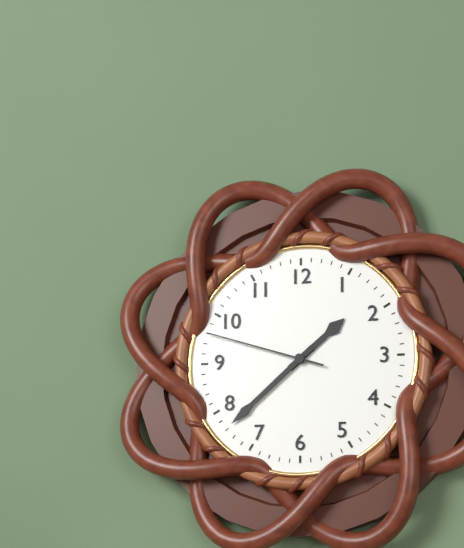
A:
1.38.48
